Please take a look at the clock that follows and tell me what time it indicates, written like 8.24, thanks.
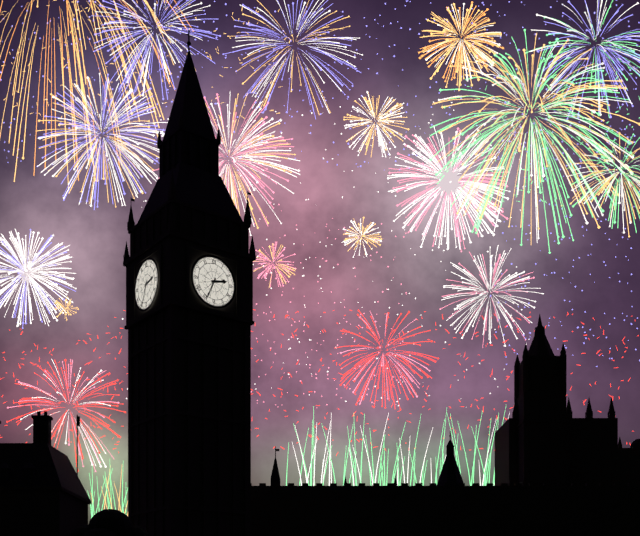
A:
2.34
